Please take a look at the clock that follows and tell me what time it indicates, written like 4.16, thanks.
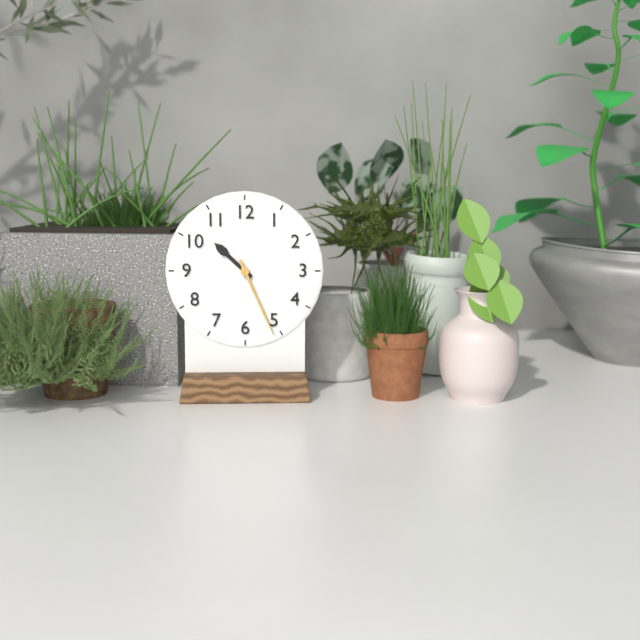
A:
10.26
